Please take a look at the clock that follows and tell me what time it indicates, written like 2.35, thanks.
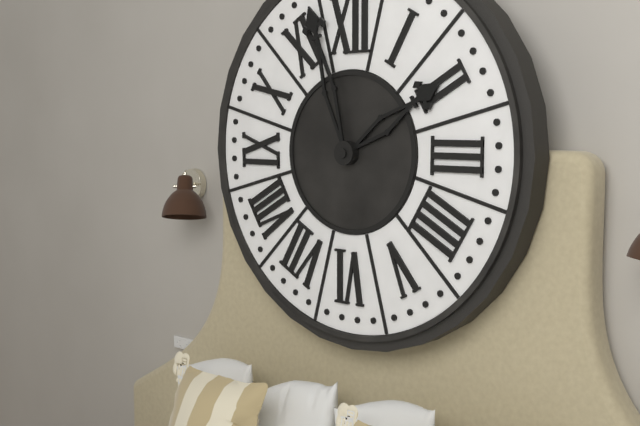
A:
1.57
